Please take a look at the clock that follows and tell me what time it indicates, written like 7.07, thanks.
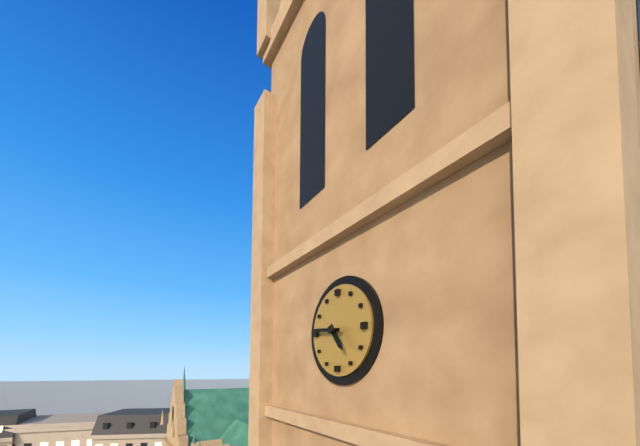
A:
4.46
